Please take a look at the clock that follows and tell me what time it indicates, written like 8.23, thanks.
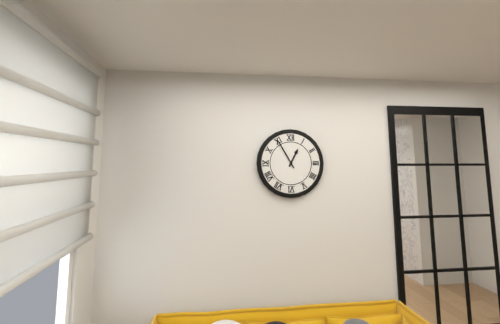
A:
12.55
